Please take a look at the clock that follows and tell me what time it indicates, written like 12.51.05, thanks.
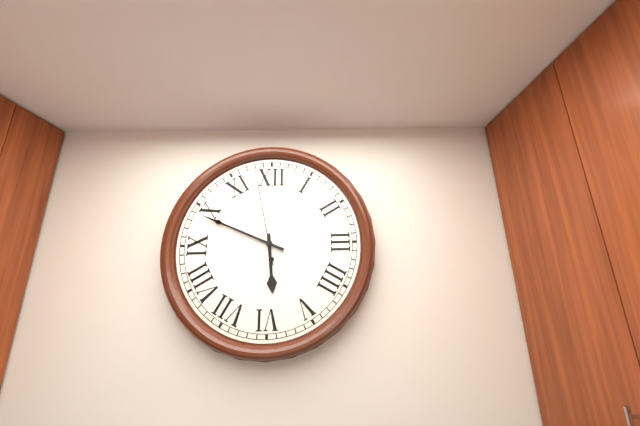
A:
5.49.58
